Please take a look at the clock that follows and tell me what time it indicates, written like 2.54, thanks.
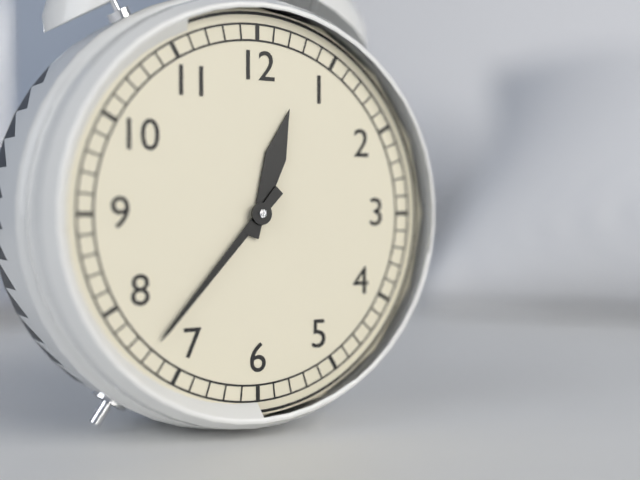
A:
12.37
